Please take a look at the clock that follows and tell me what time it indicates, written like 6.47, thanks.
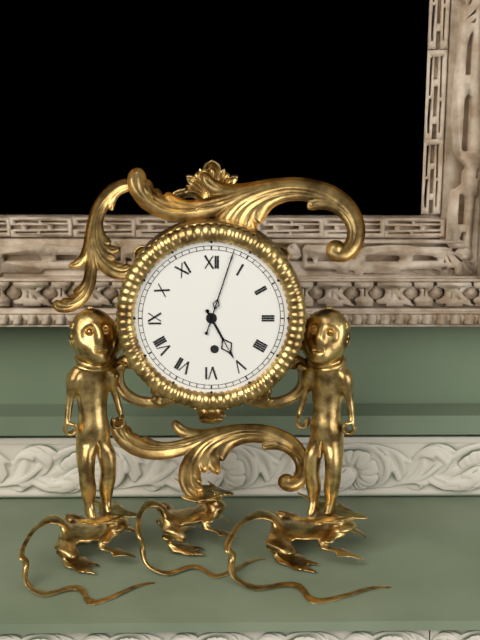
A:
5.03
